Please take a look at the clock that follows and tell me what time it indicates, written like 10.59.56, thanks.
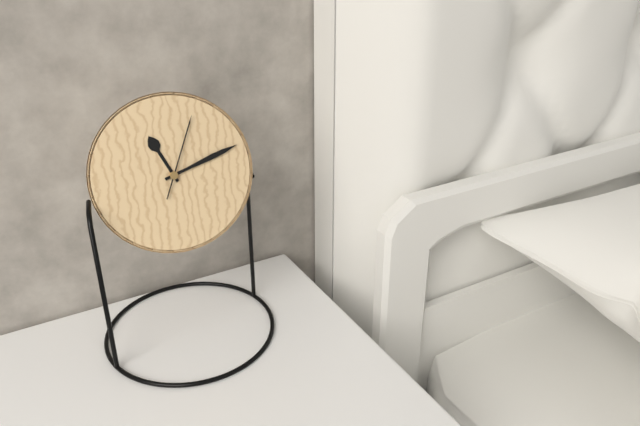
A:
11.12.04
